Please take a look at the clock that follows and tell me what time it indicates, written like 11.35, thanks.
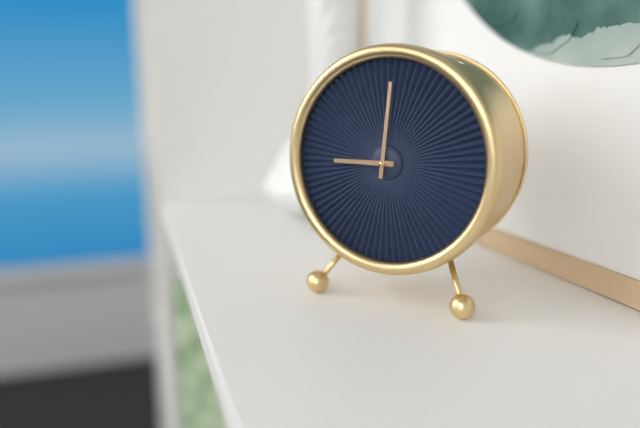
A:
9.01
